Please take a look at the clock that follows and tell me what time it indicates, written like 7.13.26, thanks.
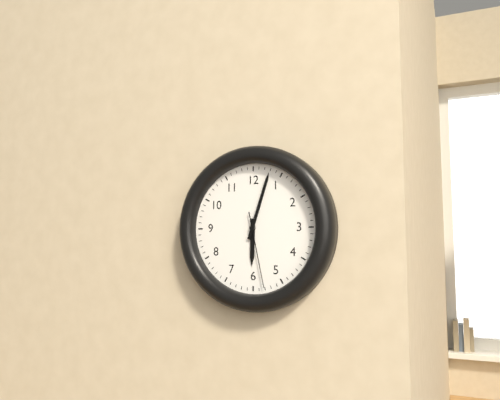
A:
6.03.28
